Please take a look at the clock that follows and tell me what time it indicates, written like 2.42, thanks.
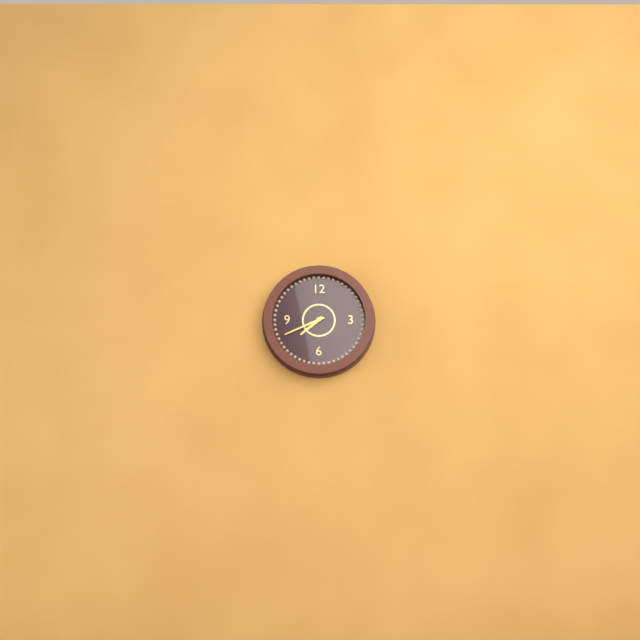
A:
7.41
